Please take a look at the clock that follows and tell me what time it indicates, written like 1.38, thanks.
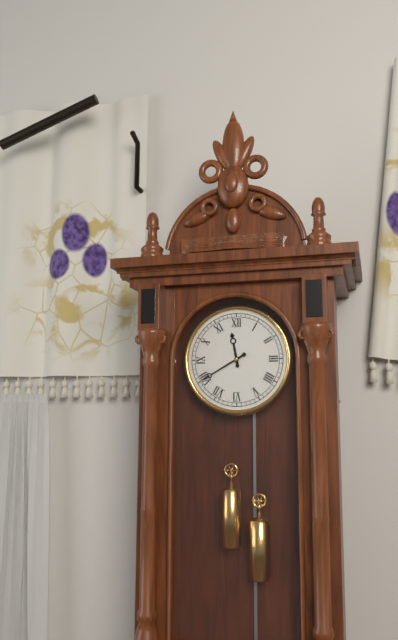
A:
11.40
